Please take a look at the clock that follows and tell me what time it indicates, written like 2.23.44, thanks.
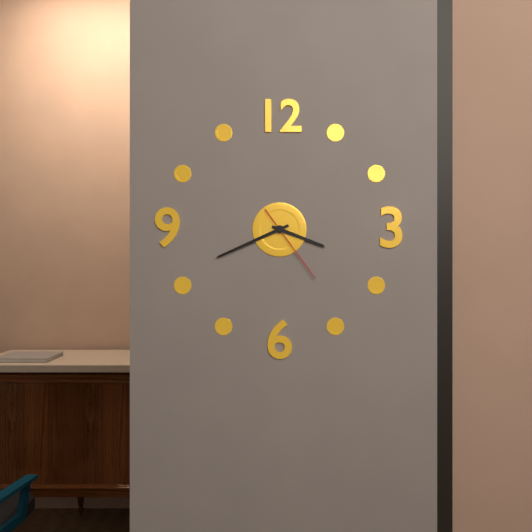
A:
3.41.24
